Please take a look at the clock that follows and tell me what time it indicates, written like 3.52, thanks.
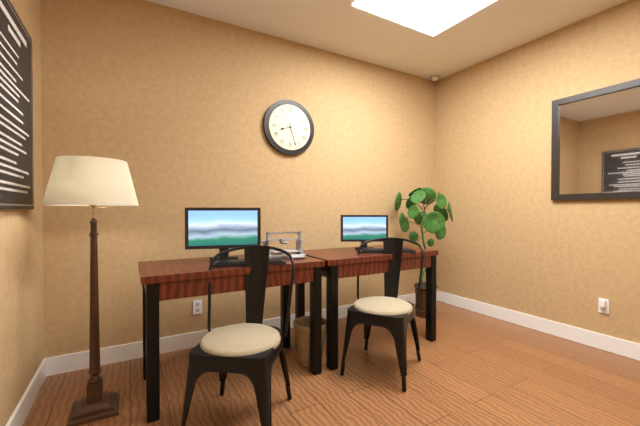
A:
8.27
